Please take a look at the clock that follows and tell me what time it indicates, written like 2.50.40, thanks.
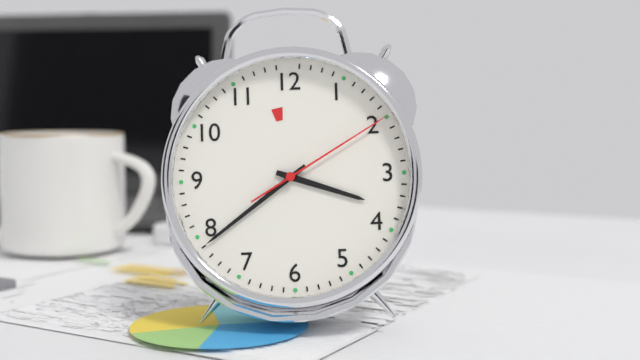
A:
3.39.10
